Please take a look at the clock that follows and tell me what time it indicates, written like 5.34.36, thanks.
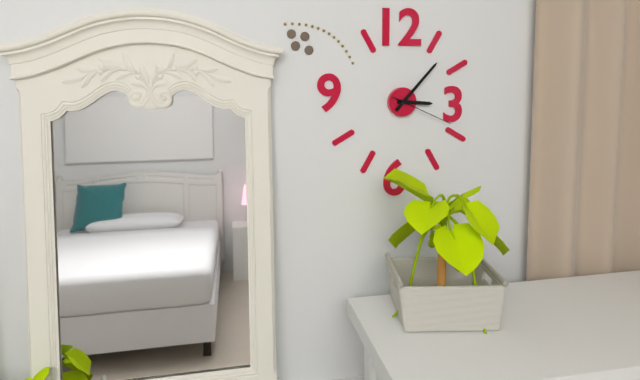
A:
3.07.19
